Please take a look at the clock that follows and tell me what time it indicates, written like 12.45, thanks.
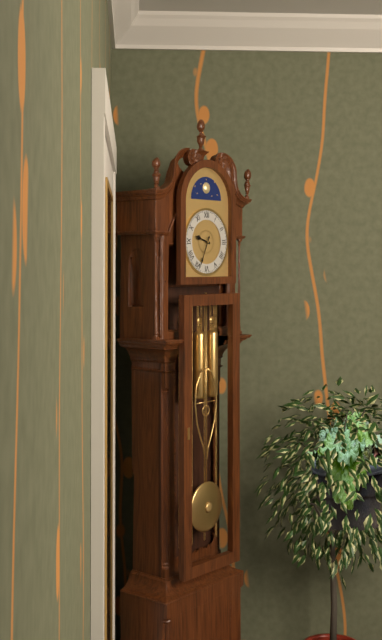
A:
9.34
